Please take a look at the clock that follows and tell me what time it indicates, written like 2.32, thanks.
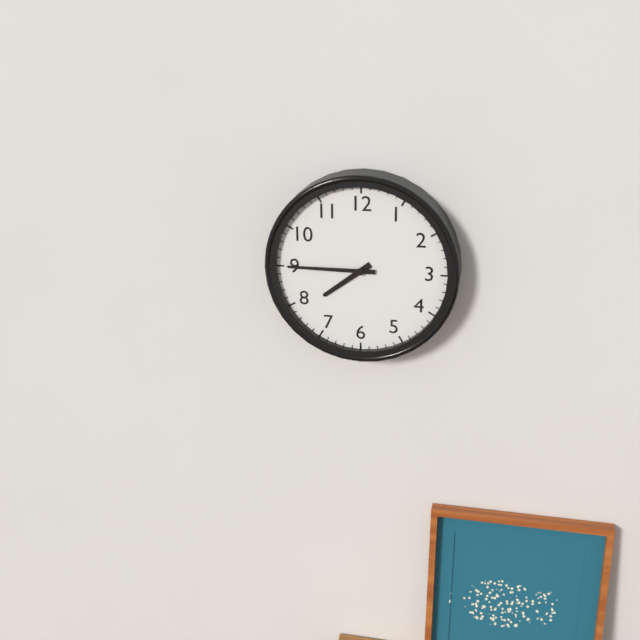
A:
7.45
